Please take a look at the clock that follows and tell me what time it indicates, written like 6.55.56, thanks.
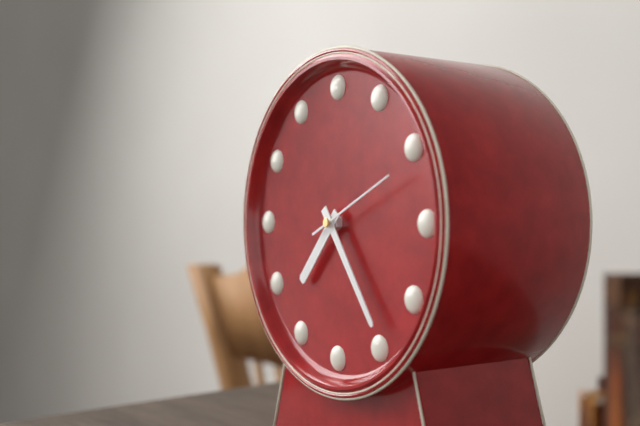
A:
7.24.11
